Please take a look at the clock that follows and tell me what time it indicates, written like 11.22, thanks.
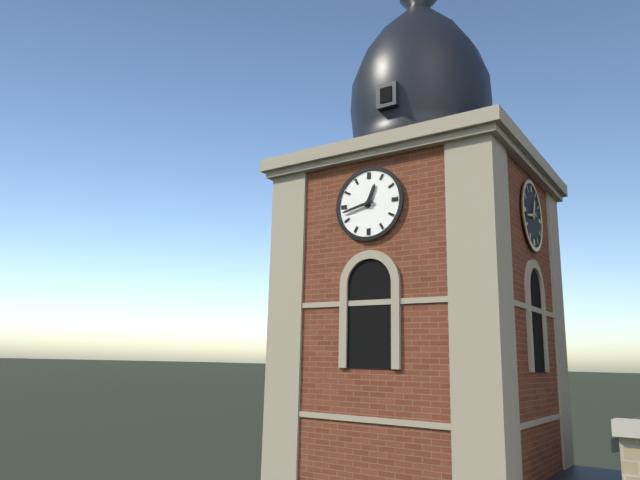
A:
12.43
